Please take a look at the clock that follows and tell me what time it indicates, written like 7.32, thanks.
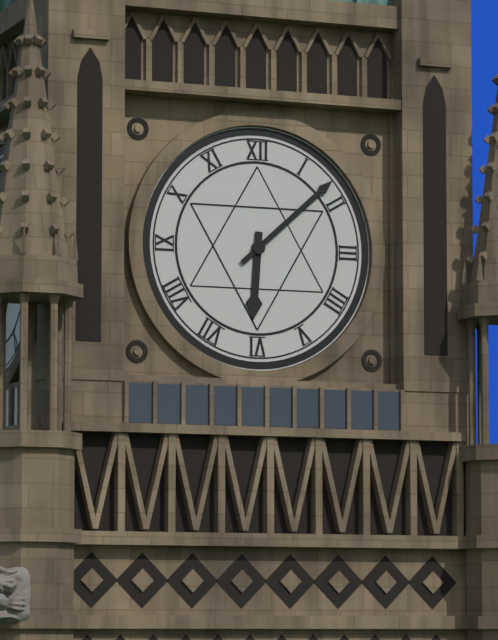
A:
6.08
